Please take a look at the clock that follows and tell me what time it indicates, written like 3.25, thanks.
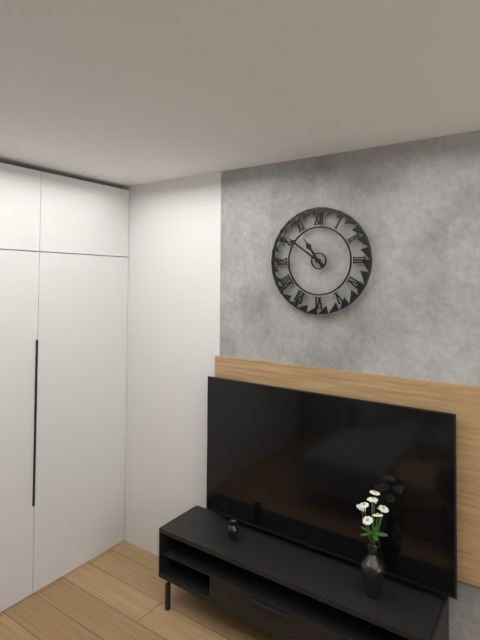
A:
10.51
